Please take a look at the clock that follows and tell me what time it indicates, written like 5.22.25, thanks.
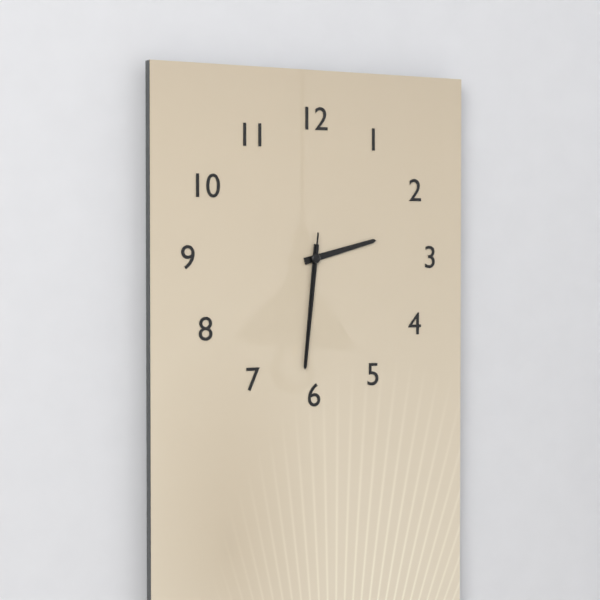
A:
2.31.31
